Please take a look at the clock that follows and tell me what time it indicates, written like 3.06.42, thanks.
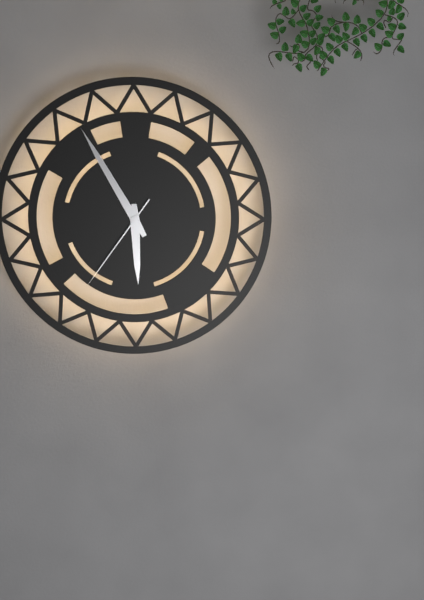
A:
5.55.36
